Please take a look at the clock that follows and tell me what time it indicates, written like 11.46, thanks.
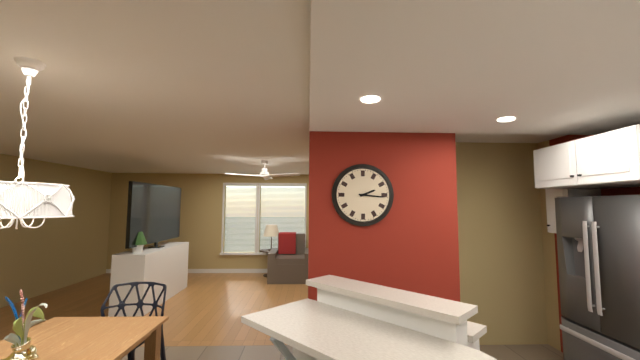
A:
2.16
